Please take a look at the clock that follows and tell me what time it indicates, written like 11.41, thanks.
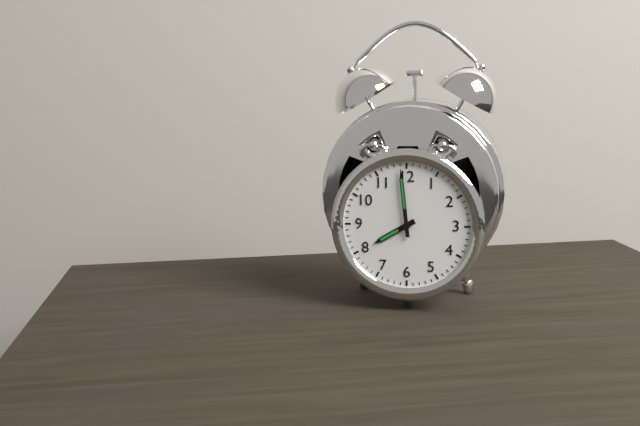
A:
7.59
